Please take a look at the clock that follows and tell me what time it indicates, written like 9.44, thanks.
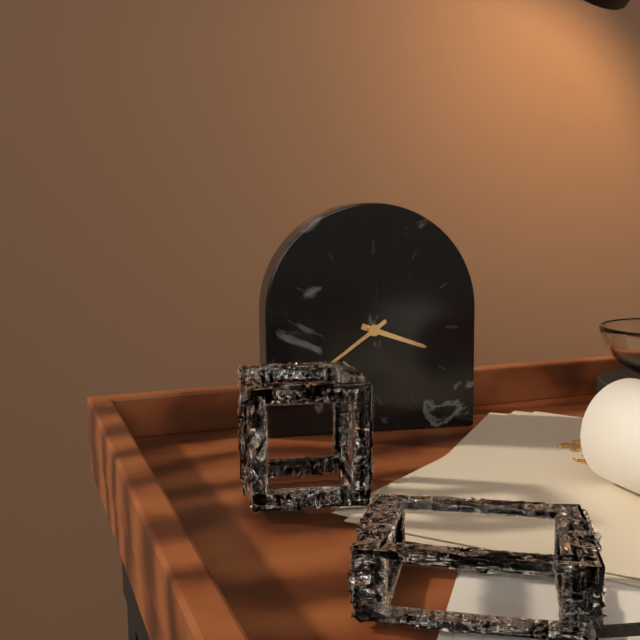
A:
3.39
